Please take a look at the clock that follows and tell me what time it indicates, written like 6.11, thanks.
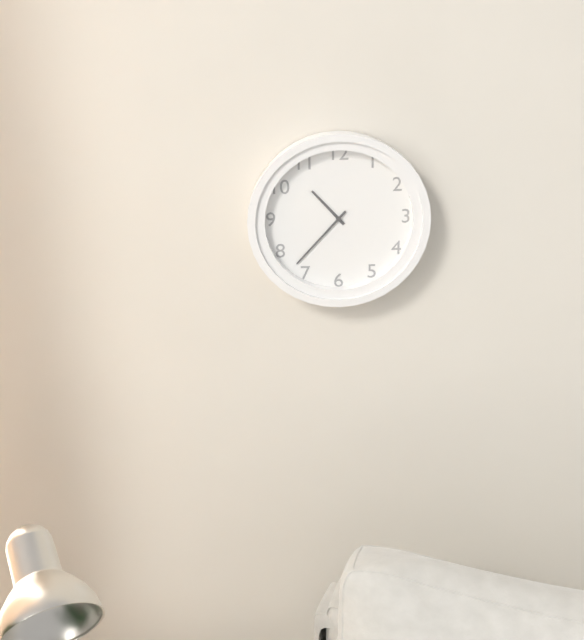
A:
10.37
